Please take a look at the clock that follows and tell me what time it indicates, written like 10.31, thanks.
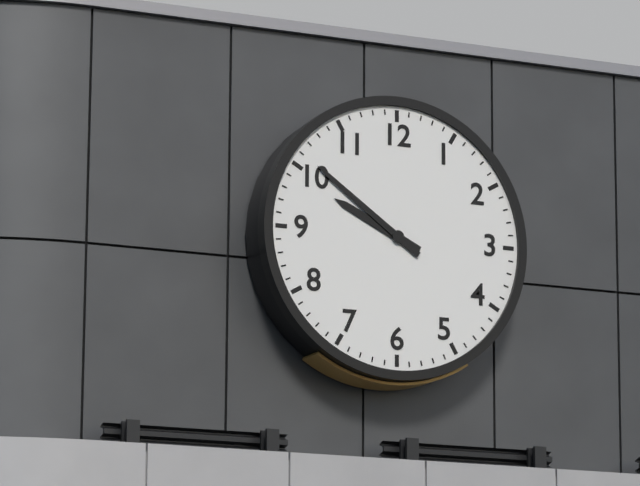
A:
9.51
